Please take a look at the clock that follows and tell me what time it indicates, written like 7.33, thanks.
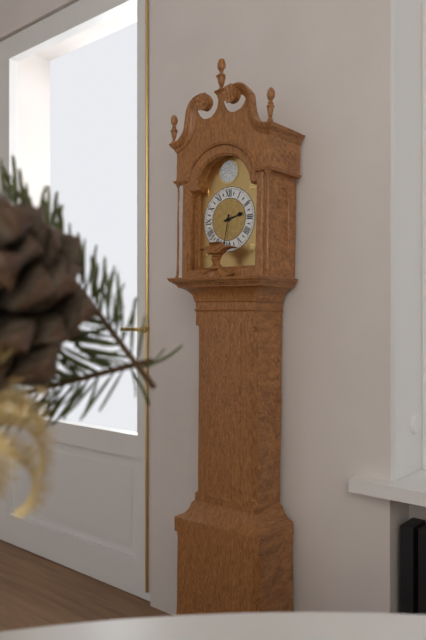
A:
2.32
